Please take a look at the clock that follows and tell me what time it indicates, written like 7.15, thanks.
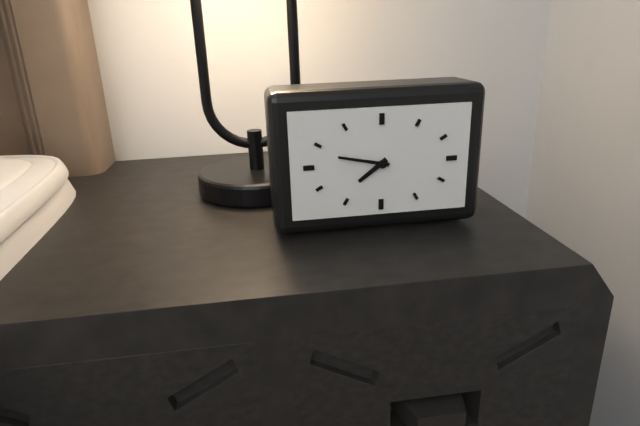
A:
7.47
